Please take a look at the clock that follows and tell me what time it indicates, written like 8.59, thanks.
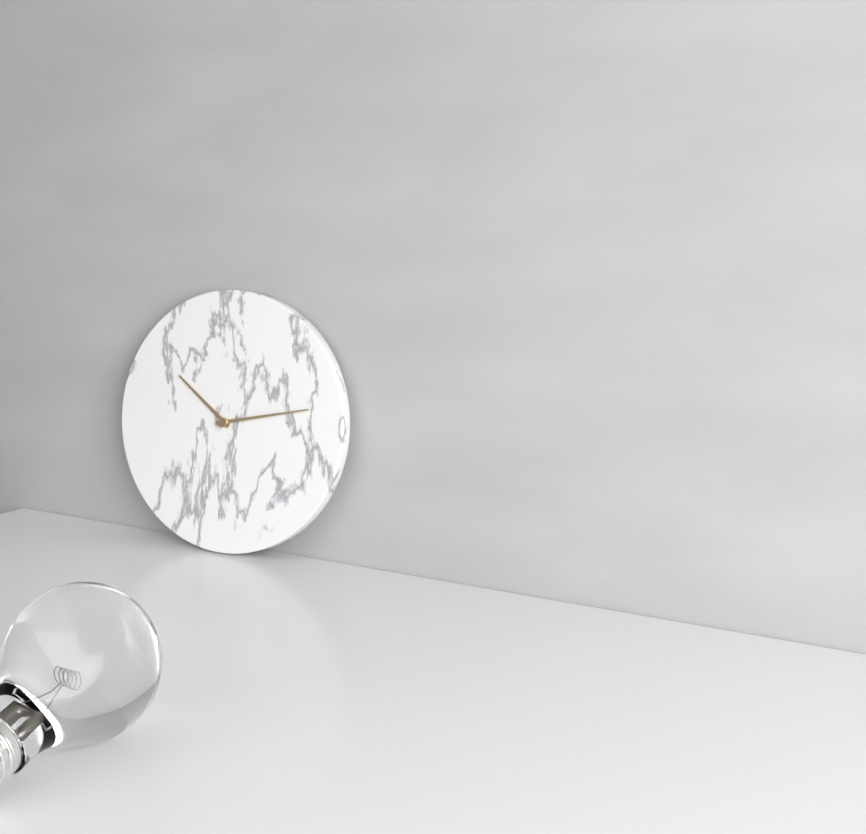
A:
10.13
